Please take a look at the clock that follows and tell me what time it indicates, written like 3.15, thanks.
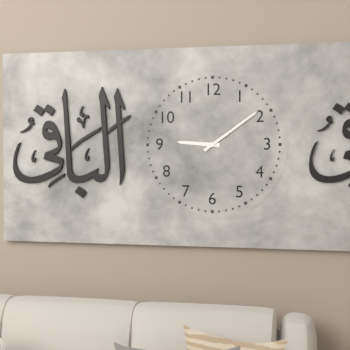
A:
9.09
